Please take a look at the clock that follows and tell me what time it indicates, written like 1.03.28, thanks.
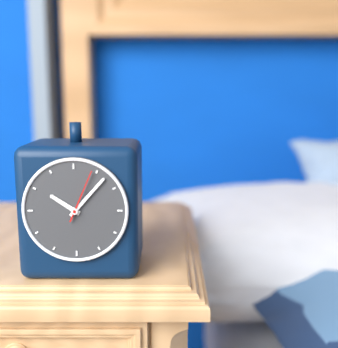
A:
10.07.04
